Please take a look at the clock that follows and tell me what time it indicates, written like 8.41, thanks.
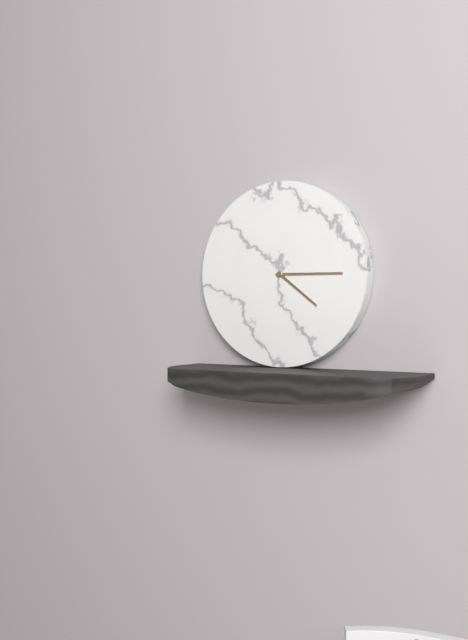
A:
4.15
